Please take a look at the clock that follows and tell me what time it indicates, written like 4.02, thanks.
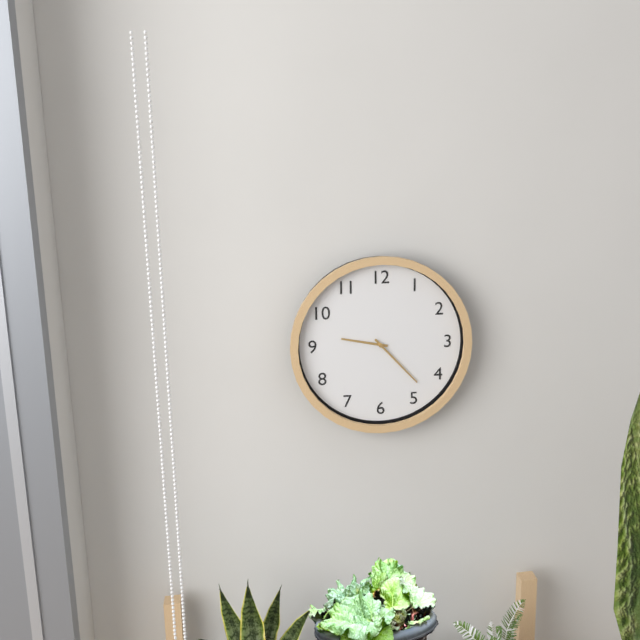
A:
9.23
